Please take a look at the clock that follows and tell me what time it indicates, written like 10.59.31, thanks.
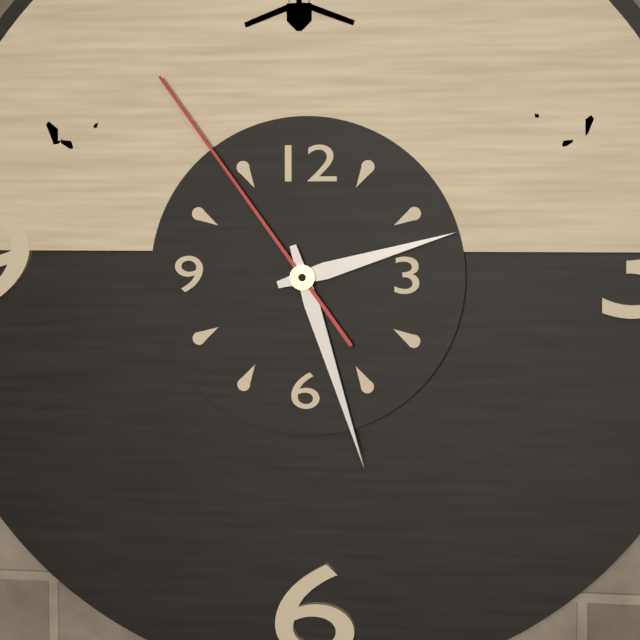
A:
2.27.54
